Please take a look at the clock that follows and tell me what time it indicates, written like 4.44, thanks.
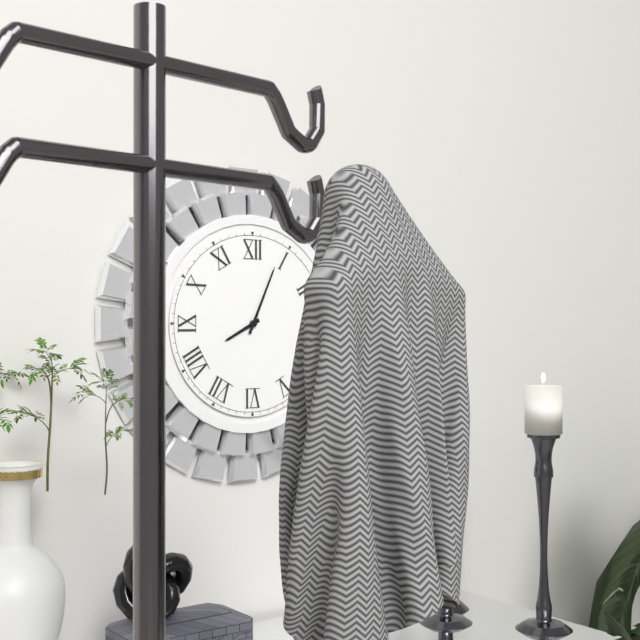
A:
8.04
